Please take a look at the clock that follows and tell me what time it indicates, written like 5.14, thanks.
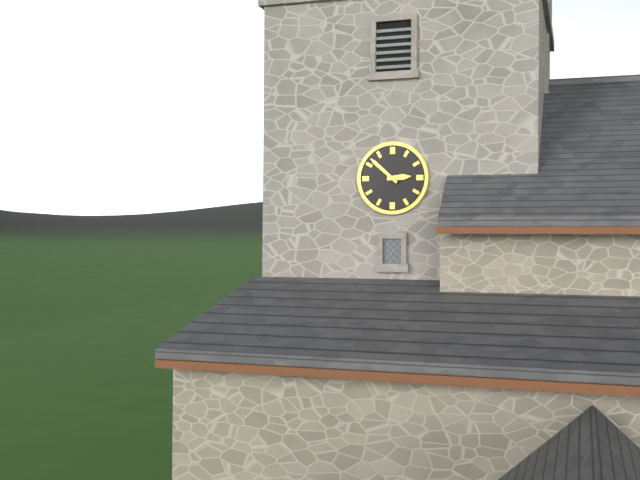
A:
2.52
